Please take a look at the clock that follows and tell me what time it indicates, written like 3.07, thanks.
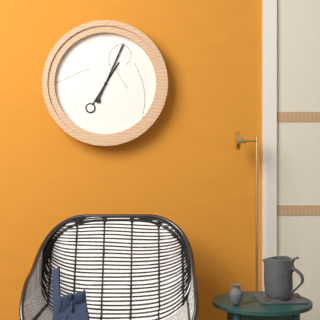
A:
1.04
